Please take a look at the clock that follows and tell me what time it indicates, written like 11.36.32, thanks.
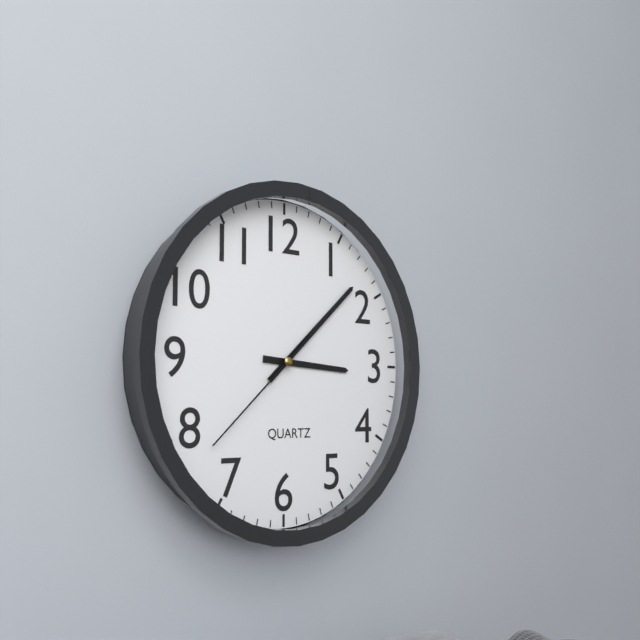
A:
3.08.38
